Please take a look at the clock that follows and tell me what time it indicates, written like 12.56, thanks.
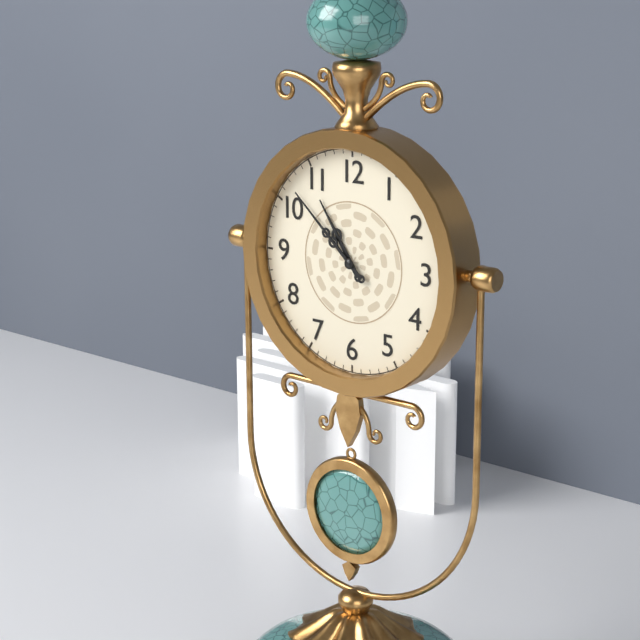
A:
10.52
